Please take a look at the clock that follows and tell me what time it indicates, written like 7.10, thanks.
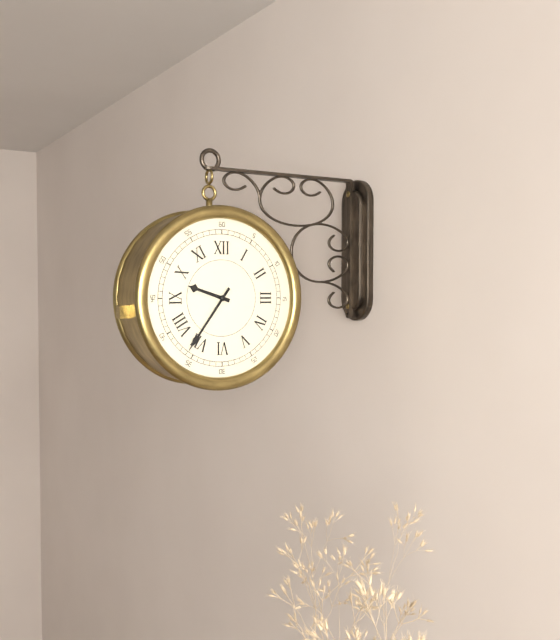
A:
9.36
